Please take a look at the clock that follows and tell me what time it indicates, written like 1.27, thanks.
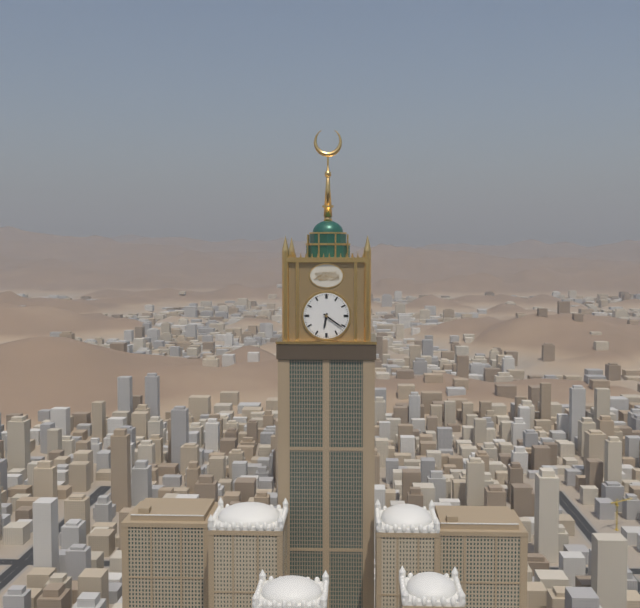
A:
6.21
